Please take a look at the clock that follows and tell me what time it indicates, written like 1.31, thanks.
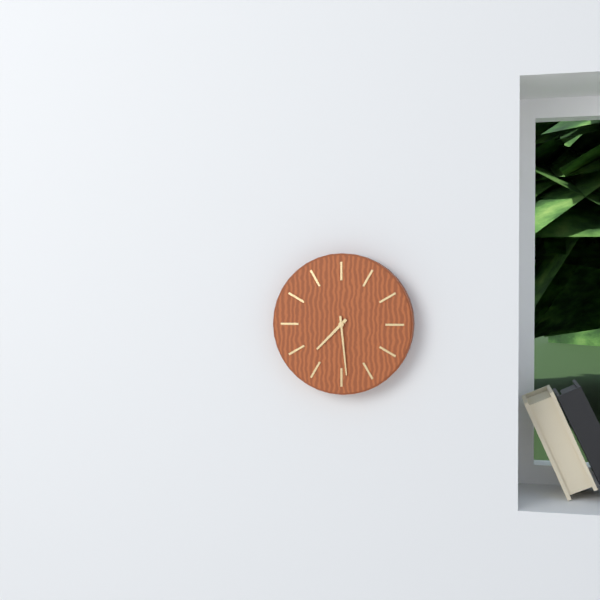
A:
7.29
